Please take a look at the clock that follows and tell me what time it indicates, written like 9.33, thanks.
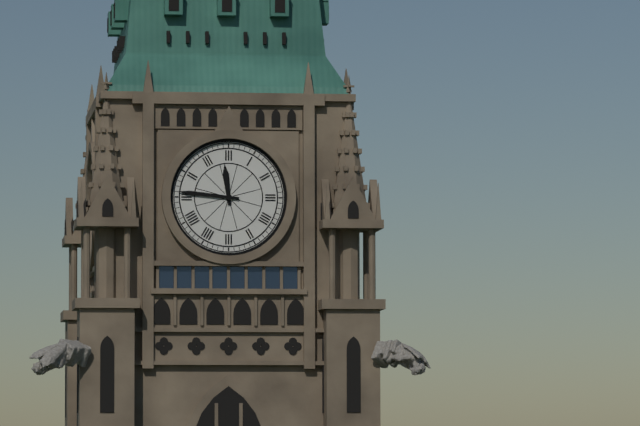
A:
11.46
